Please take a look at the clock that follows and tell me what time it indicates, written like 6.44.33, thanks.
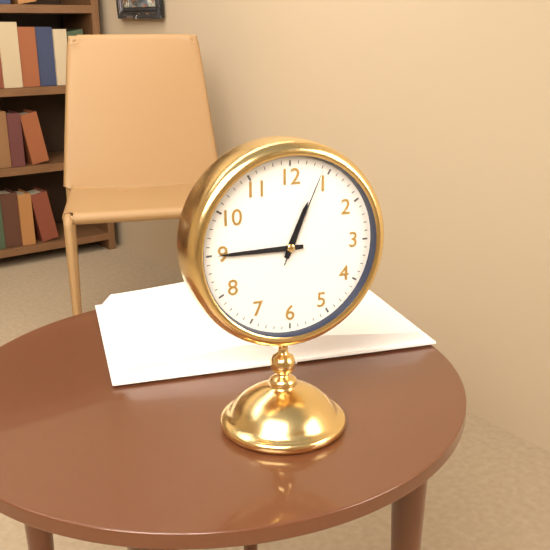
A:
12.45.04
